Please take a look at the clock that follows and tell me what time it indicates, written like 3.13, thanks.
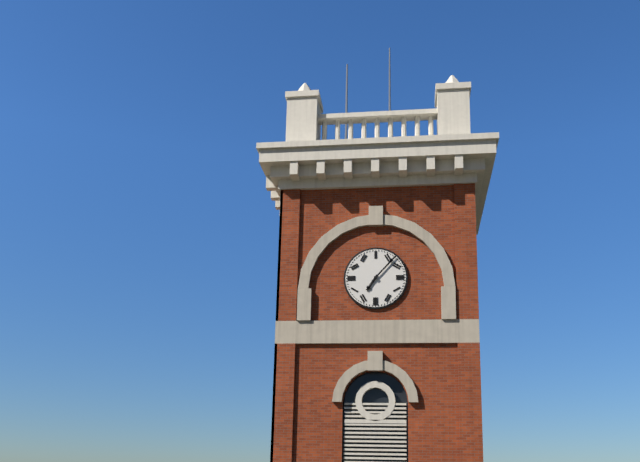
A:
7.07
